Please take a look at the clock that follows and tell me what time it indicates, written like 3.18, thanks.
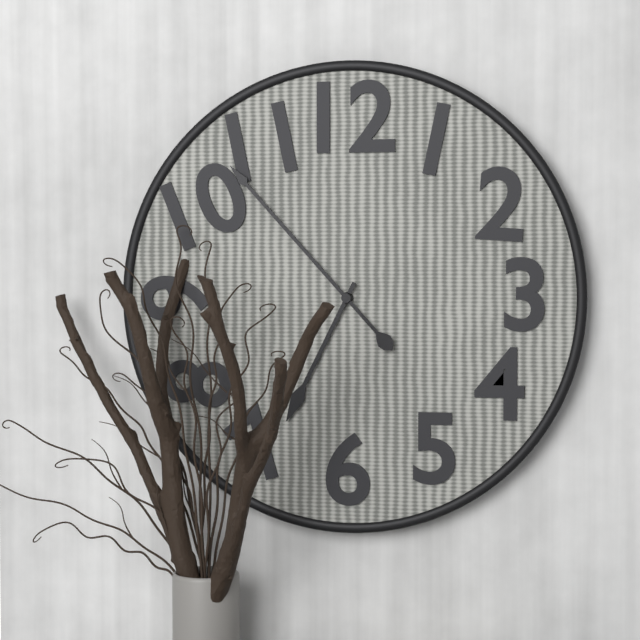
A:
6.53
